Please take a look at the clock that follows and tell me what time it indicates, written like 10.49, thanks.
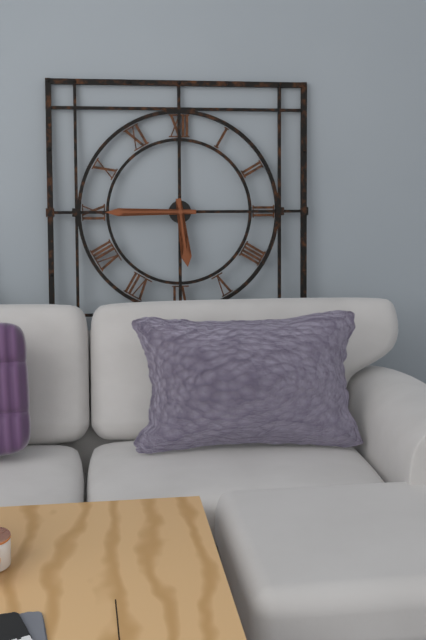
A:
5.45
